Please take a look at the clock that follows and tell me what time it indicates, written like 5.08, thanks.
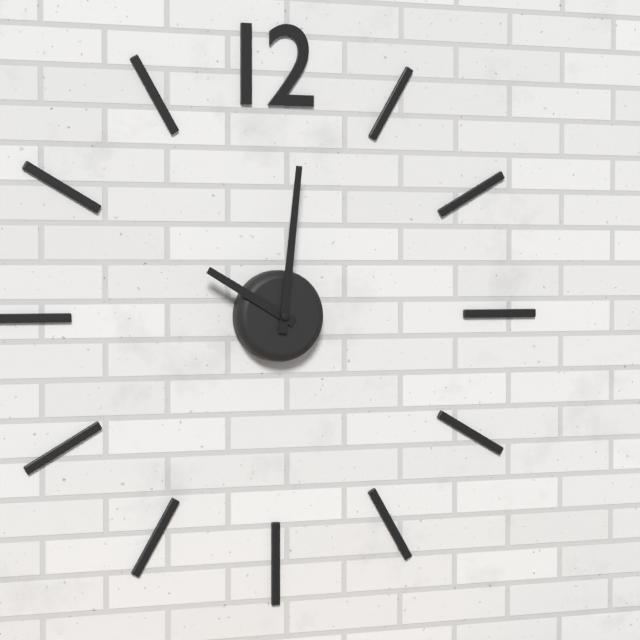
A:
10.01
